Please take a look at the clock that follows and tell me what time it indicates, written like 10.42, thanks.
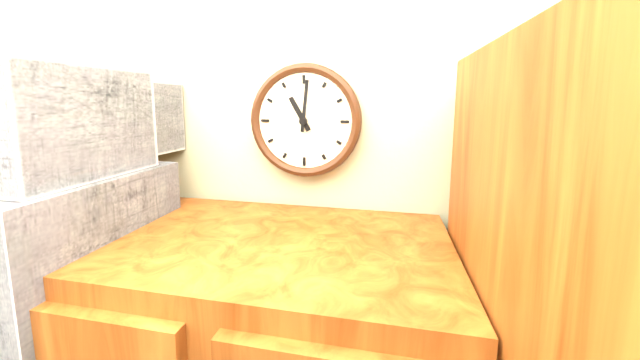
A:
11.01
